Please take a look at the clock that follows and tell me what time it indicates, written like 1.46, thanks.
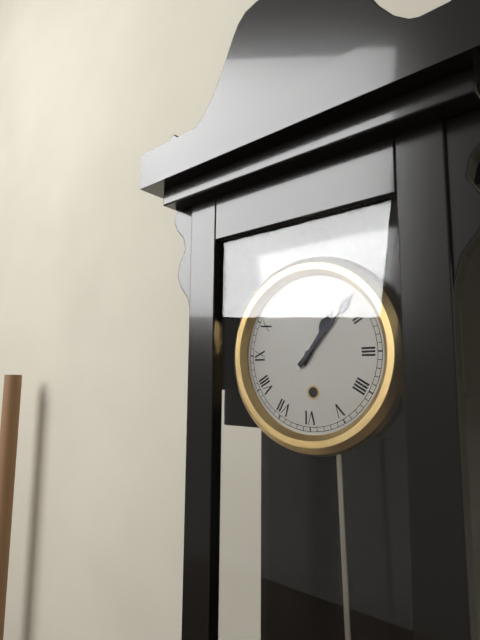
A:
1.07
